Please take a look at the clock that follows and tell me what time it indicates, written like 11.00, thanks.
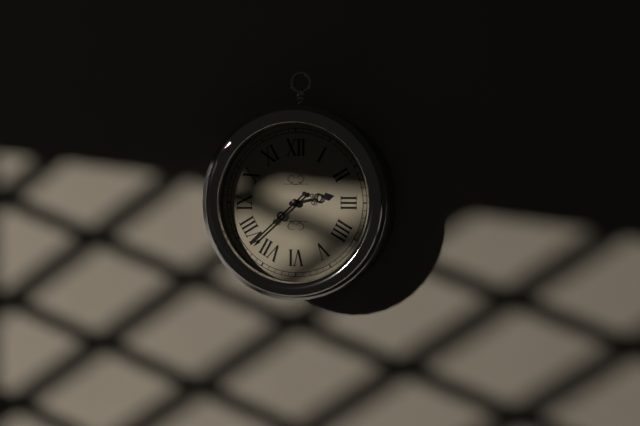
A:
2.38
